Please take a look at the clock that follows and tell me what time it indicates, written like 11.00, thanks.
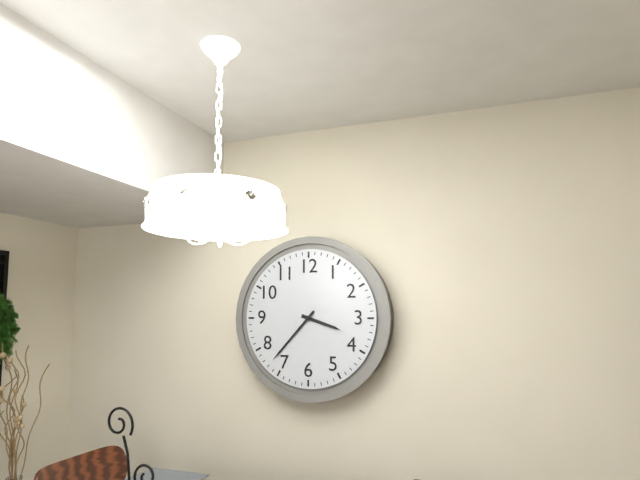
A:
3.37
